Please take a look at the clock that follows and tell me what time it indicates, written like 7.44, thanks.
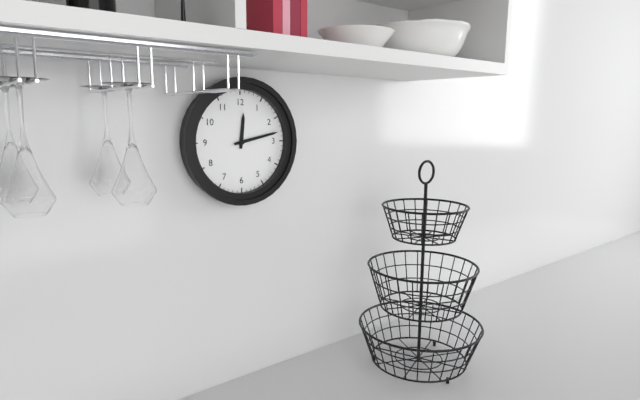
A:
12.13
